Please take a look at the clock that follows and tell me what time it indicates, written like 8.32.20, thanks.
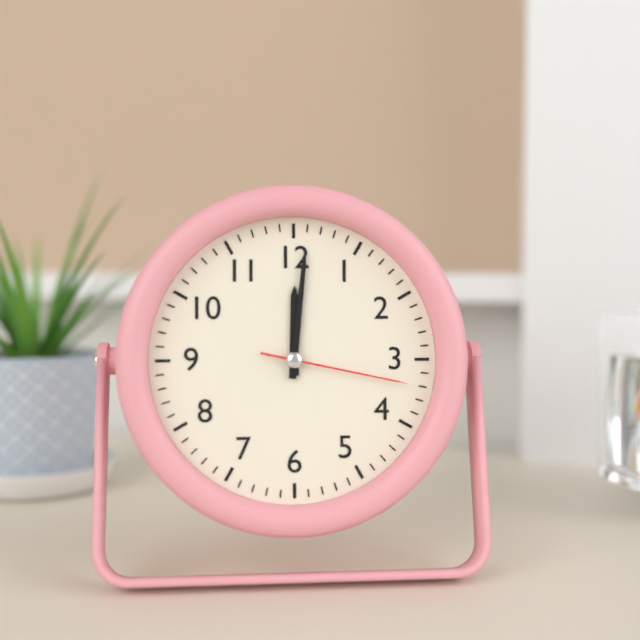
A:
12.01.17
